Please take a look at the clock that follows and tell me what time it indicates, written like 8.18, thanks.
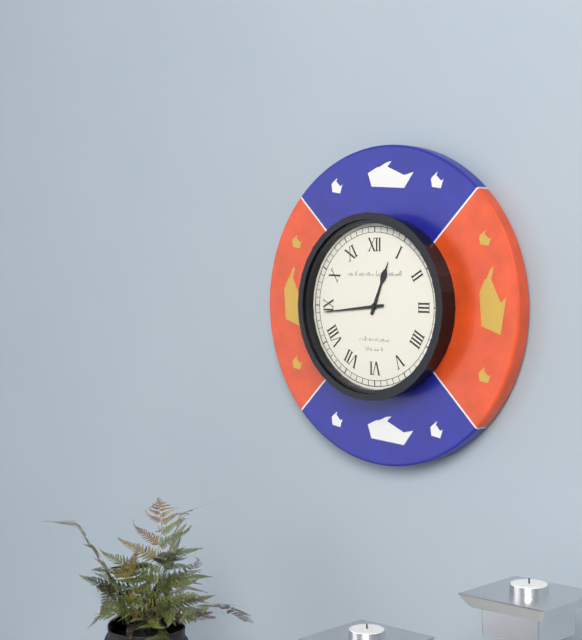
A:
12.44
